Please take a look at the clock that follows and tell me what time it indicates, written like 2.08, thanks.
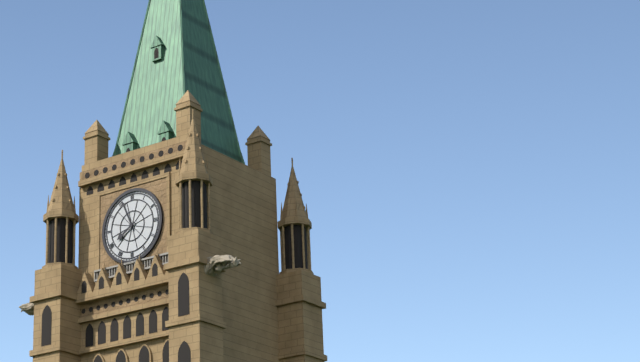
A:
7.56
